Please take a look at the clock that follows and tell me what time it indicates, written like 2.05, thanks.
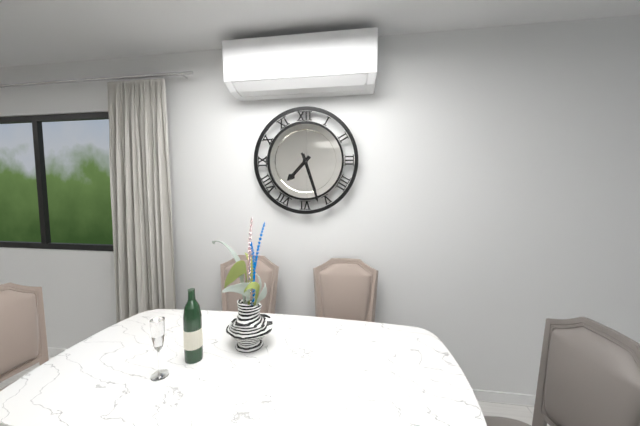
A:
7.27
